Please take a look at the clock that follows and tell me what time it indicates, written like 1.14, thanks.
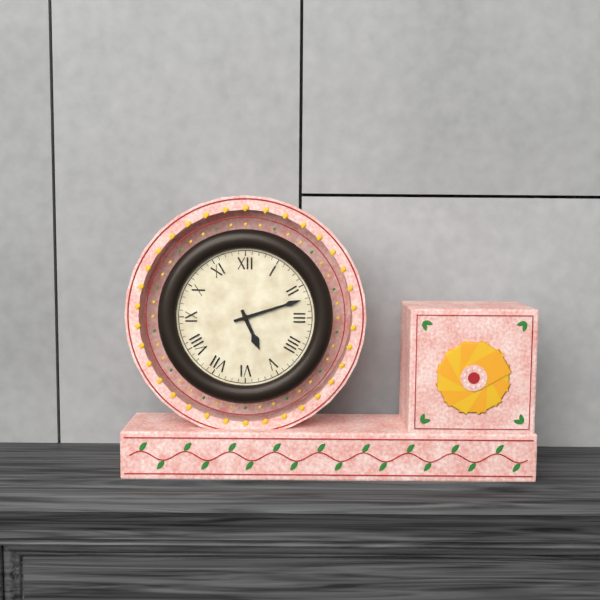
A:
5.12
